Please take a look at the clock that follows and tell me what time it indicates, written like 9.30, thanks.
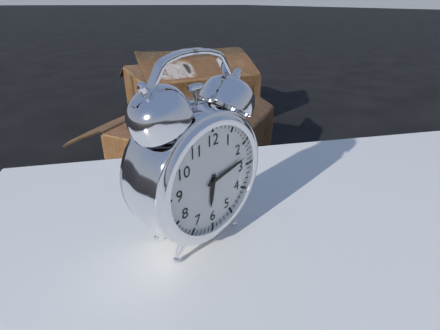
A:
6.13
